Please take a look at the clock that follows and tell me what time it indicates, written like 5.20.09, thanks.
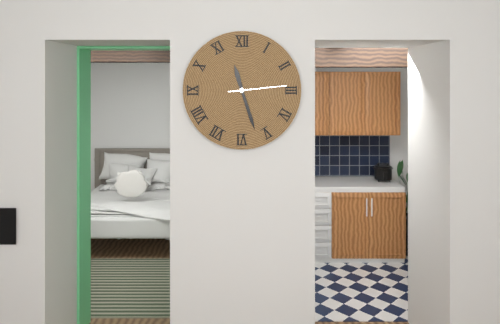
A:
11.27.14
